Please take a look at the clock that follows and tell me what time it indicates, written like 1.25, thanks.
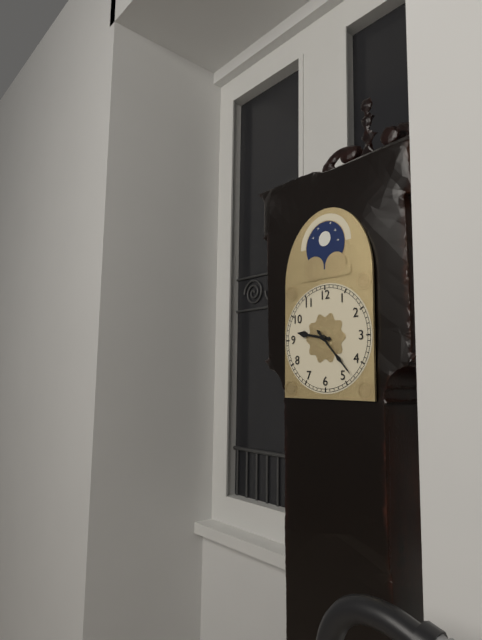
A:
9.23
